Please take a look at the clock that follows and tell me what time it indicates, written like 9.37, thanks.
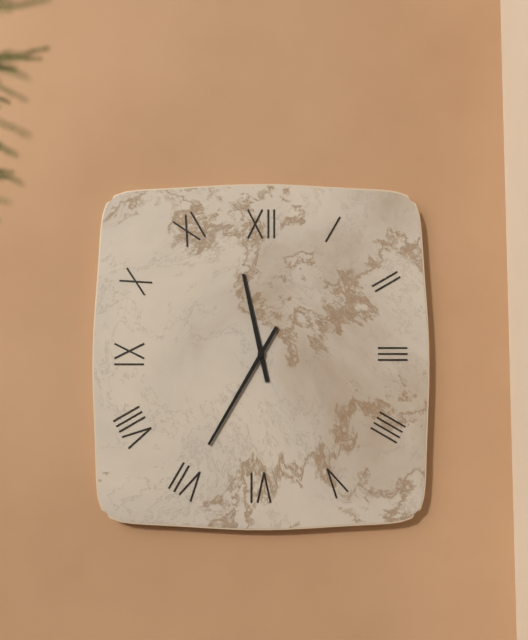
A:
11.35
